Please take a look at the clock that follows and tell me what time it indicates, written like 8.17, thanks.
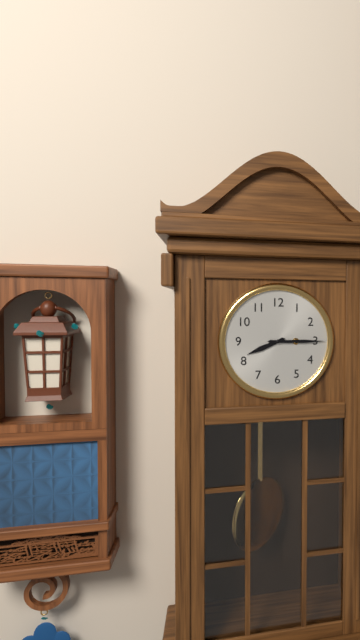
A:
8.15
